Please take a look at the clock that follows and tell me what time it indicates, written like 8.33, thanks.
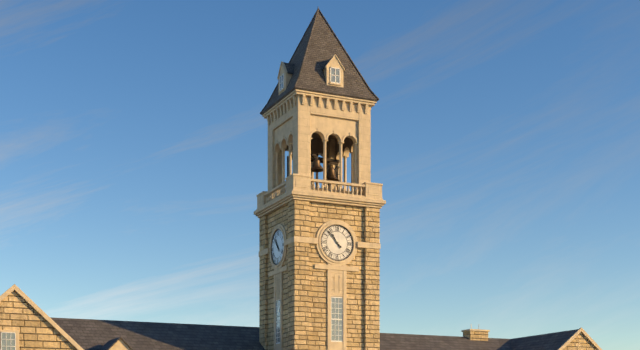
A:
10.53
